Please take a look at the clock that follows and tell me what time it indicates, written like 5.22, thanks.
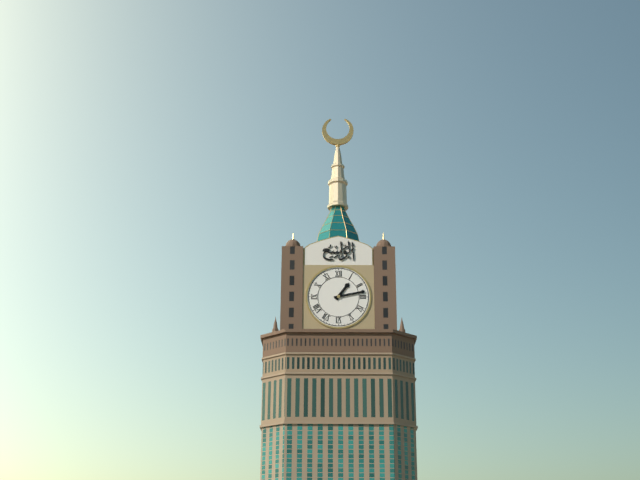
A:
1.13
